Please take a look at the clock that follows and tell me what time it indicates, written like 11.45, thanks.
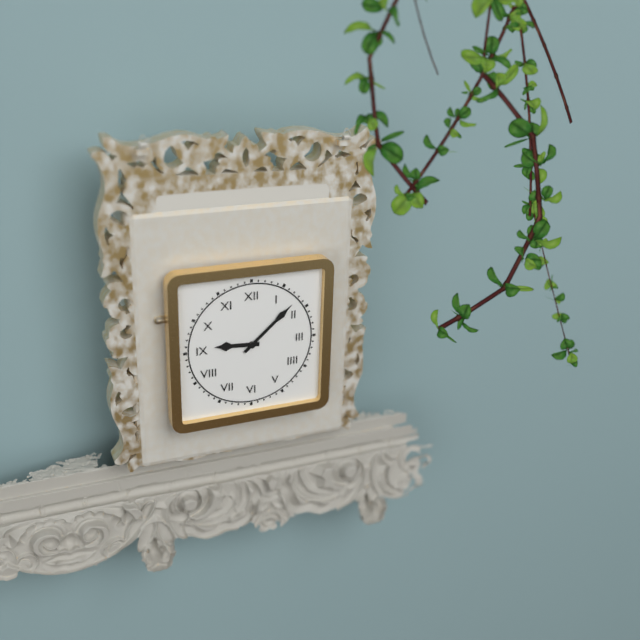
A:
9.08
